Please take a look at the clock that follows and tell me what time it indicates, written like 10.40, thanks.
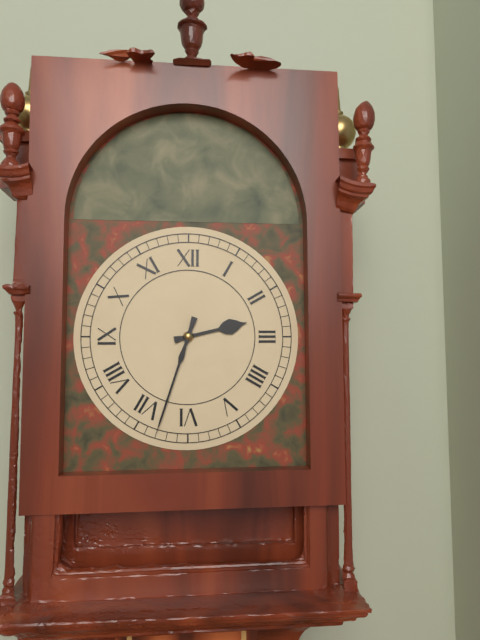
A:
2.33
